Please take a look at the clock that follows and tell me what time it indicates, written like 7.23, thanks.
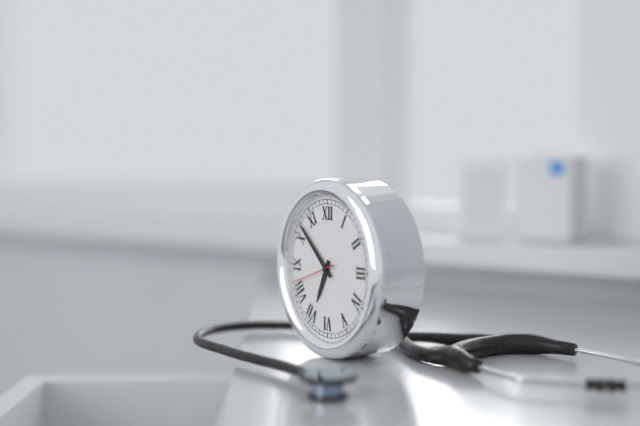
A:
6.52
